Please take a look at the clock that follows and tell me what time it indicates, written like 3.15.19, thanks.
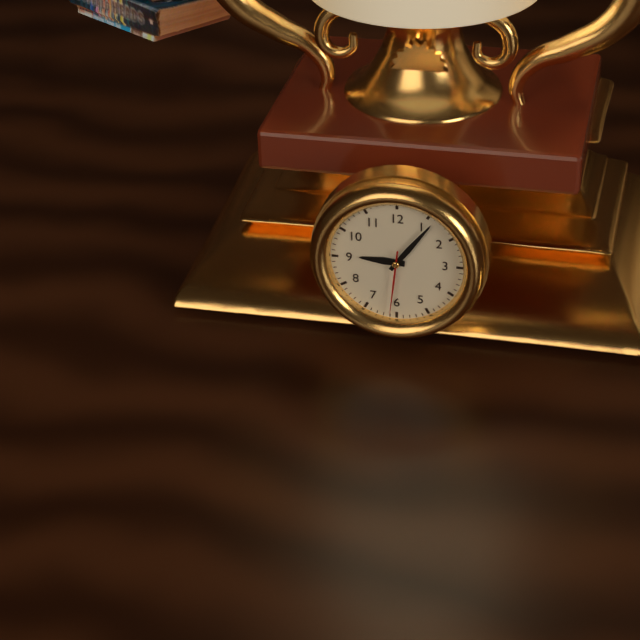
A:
9.06.31
